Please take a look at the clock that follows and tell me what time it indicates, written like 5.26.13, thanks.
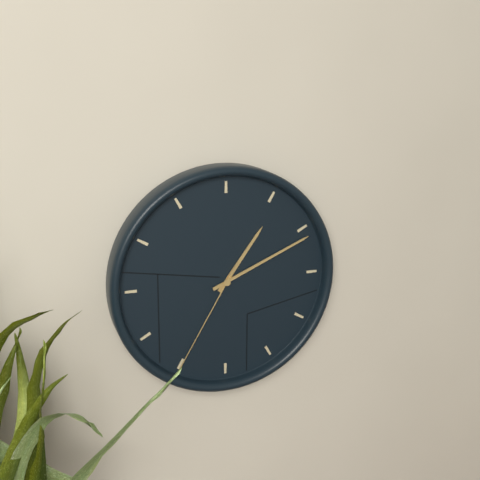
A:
1.11.35
